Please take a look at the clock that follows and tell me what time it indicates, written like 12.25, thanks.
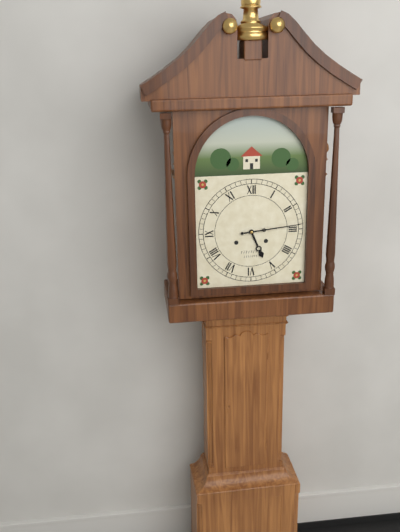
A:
5.14
